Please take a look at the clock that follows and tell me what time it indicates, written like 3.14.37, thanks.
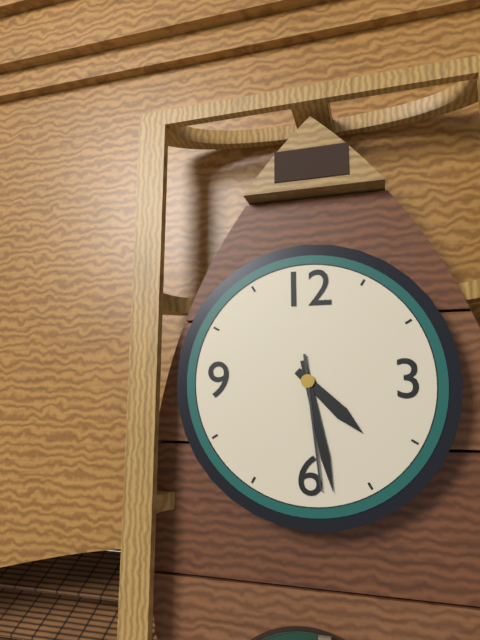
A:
4.28.29
